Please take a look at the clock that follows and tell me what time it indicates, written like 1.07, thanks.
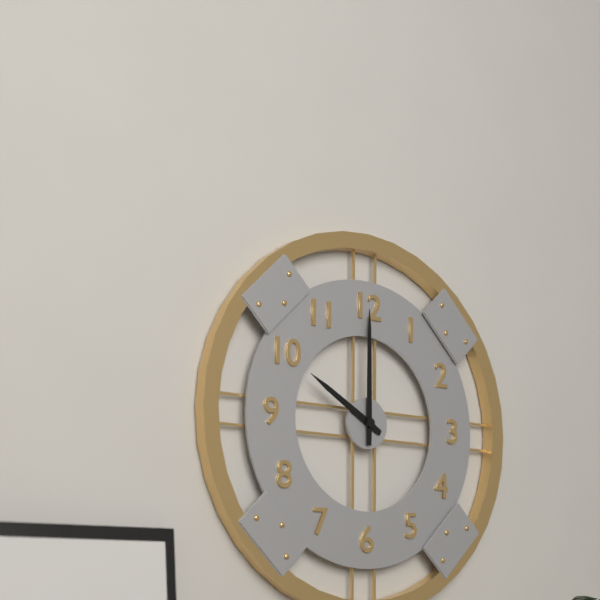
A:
10.00
